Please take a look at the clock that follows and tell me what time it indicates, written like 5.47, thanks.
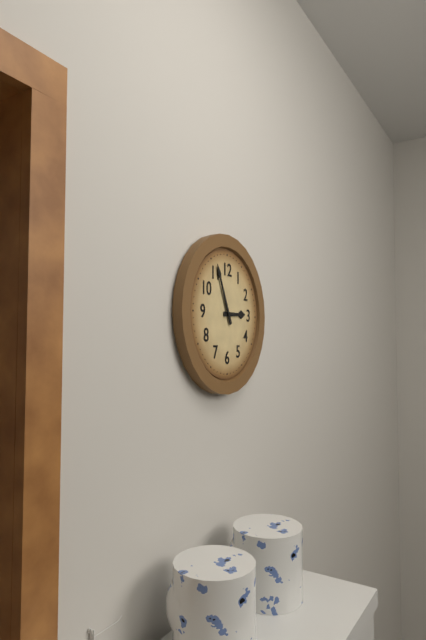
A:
2.56
